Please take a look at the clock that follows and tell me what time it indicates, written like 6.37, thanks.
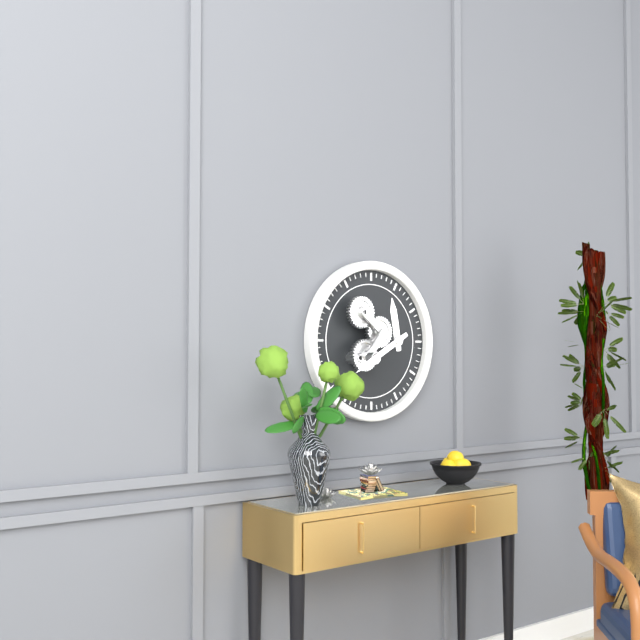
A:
11.40
